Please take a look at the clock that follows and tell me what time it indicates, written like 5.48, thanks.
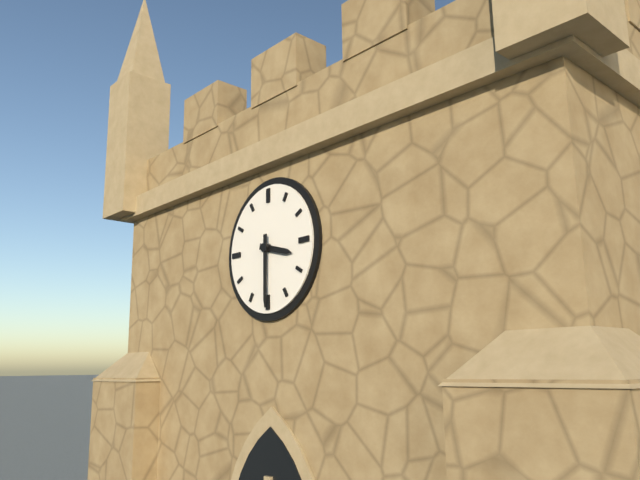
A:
3.30
